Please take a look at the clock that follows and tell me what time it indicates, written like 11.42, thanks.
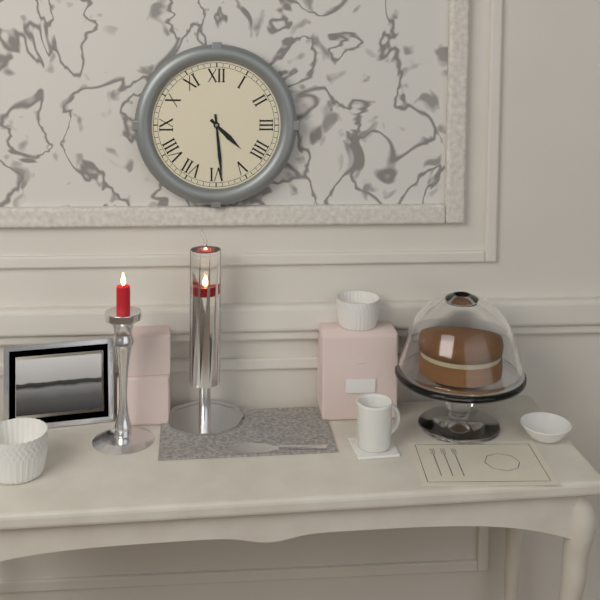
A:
4.29
